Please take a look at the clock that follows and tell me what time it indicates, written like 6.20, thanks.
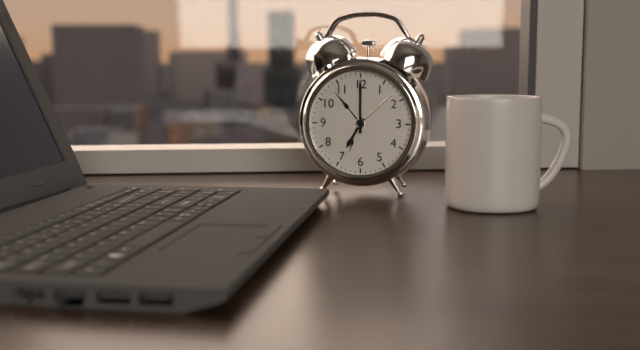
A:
7.00
